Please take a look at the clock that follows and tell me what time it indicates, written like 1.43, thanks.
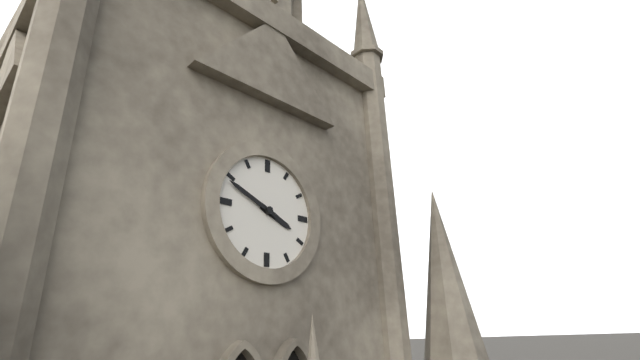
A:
3.49
